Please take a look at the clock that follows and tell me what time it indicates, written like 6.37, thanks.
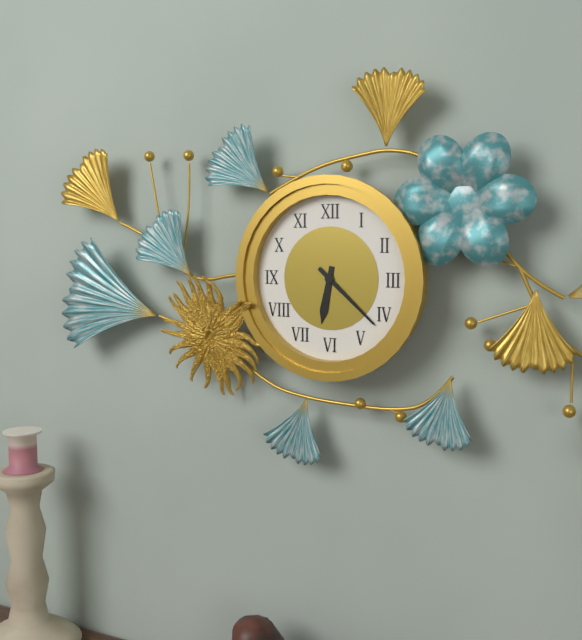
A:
6.22
